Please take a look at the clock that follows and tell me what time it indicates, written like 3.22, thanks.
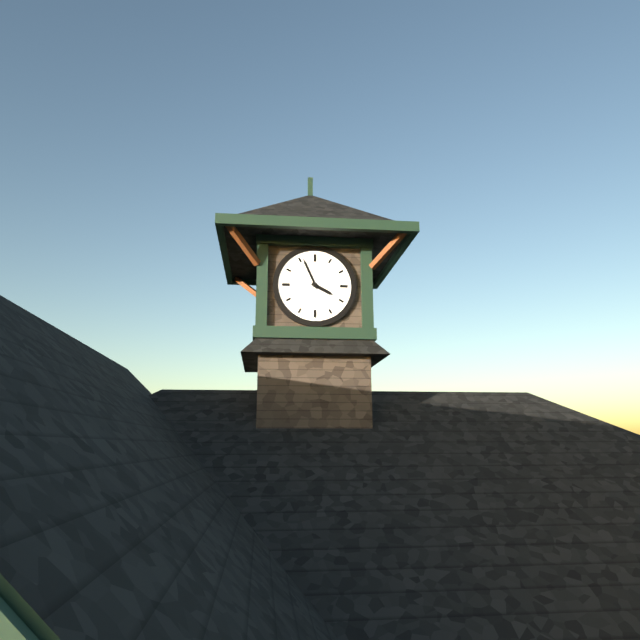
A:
3.56
